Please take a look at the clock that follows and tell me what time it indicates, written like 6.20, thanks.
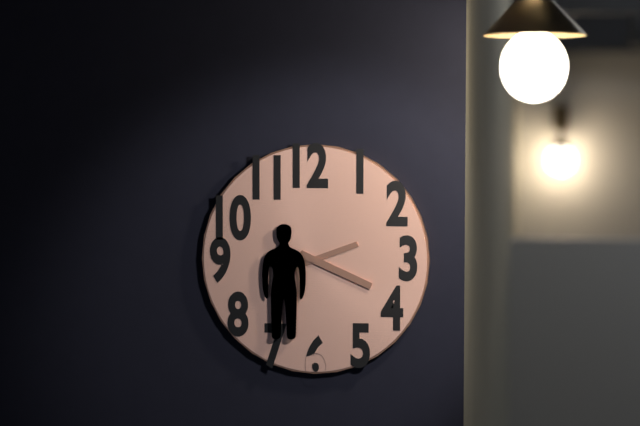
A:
2.19
